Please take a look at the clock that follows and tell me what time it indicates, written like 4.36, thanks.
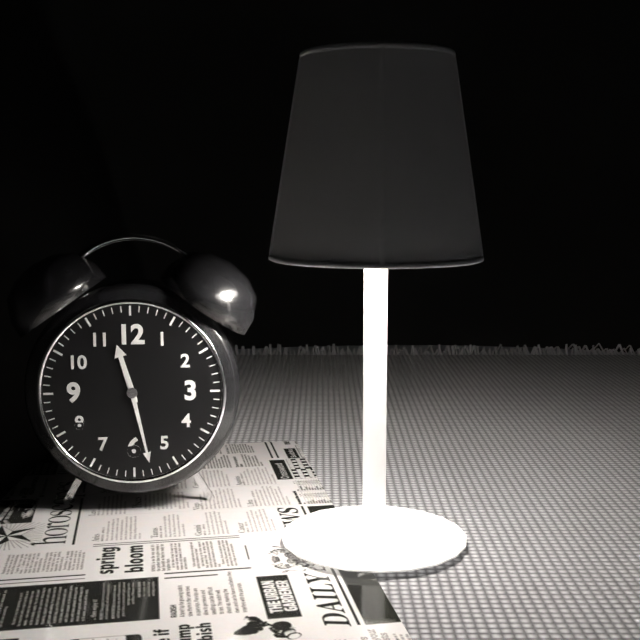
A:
11.28
